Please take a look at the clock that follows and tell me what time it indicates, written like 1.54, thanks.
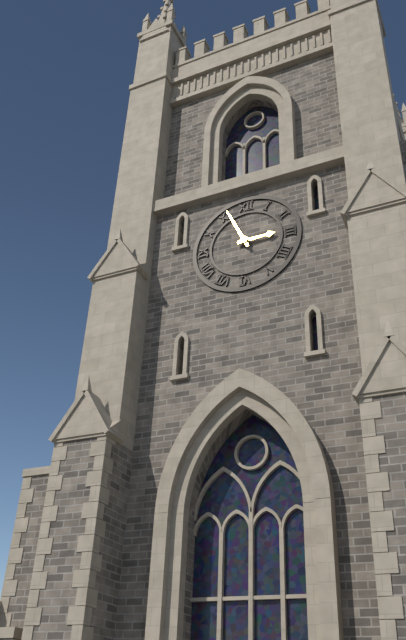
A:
2.56
